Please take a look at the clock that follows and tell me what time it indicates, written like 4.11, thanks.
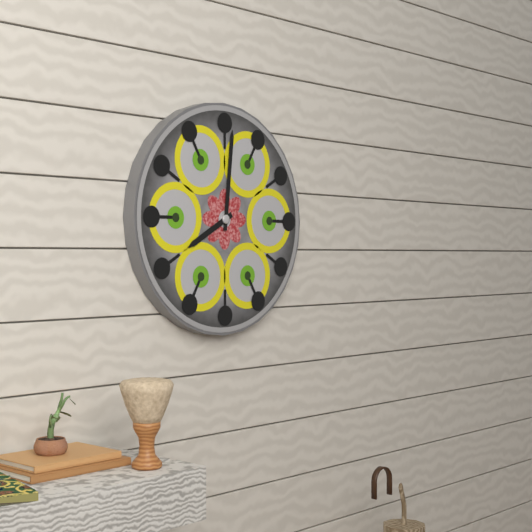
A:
8.01
